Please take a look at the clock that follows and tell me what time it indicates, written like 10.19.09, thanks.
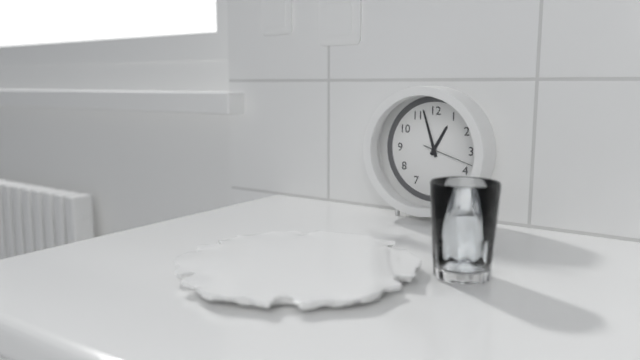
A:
12.57.18
